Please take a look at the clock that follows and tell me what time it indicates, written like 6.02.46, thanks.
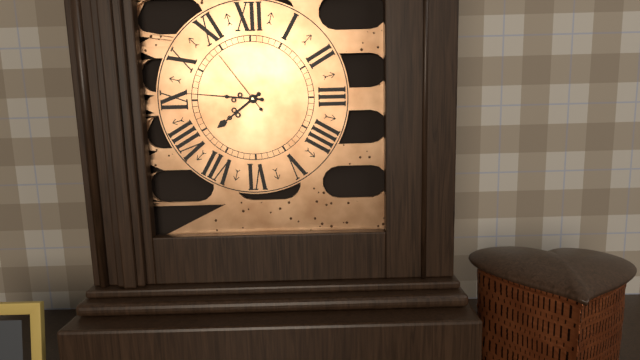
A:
7.46.54
